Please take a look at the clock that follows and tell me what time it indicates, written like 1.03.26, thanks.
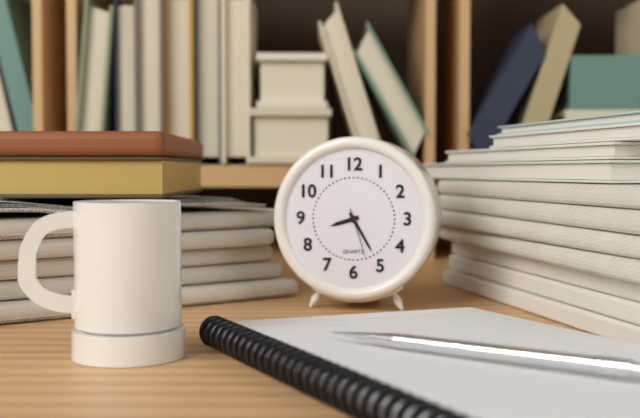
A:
8.25.27
